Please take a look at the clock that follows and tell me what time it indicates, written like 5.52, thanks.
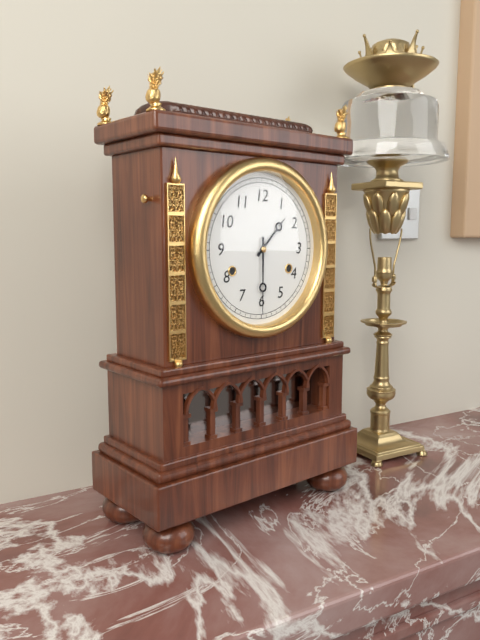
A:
1.30
